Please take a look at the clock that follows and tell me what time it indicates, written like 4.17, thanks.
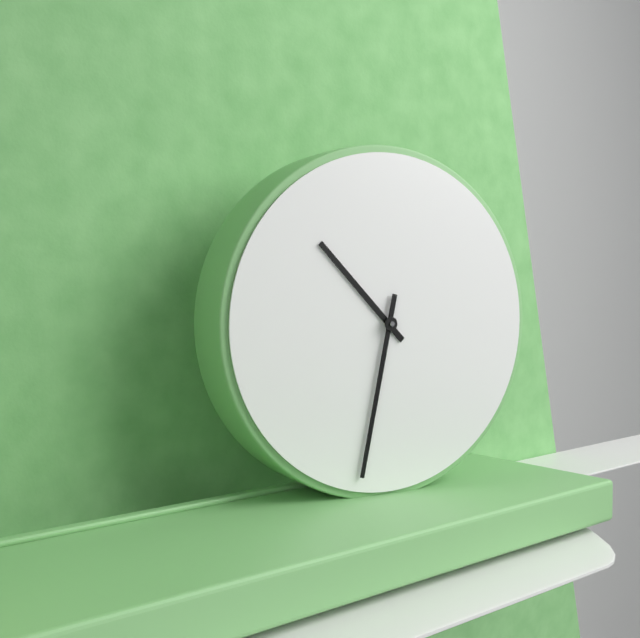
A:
10.32
